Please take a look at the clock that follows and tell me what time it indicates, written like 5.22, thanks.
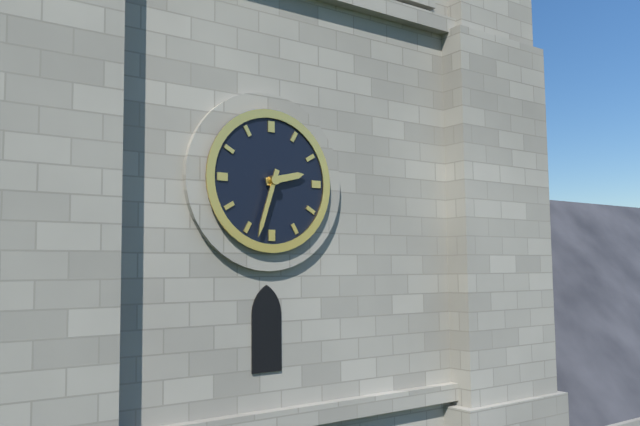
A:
2.33
